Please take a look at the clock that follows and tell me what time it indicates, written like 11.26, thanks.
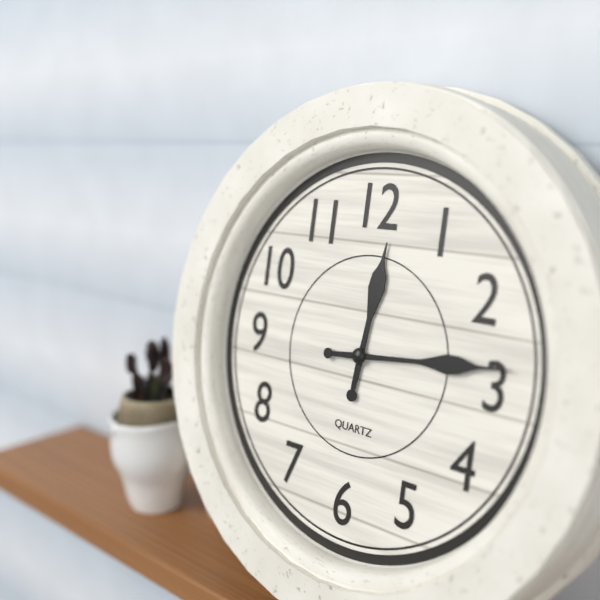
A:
12.14
